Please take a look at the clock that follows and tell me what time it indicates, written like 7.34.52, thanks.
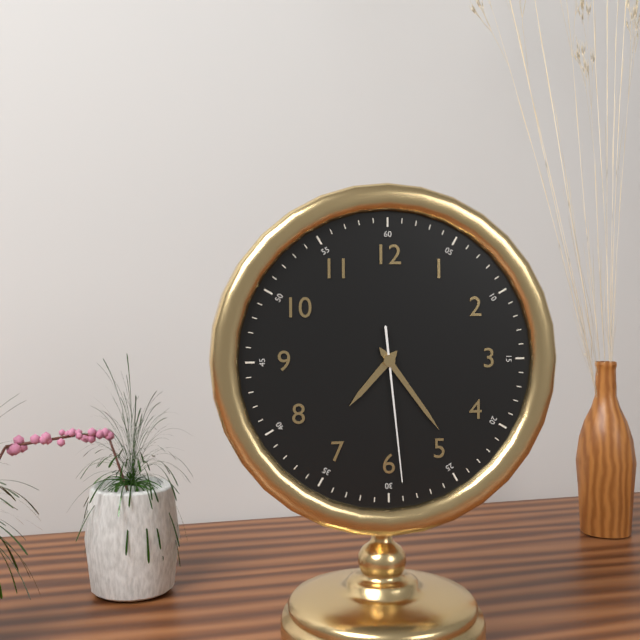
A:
7.24.29
